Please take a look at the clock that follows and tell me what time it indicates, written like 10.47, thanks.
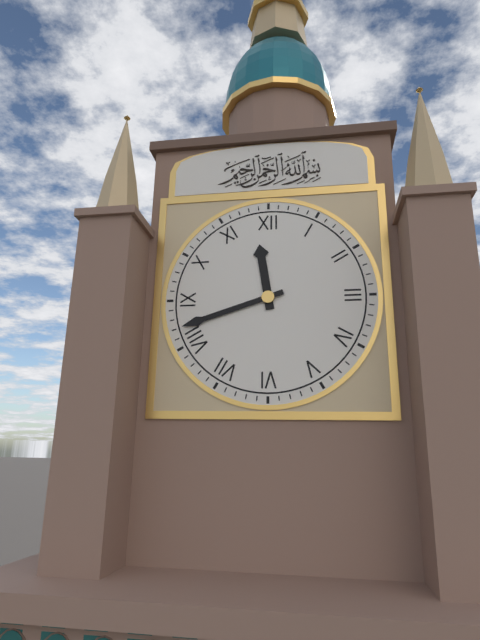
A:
11.42
